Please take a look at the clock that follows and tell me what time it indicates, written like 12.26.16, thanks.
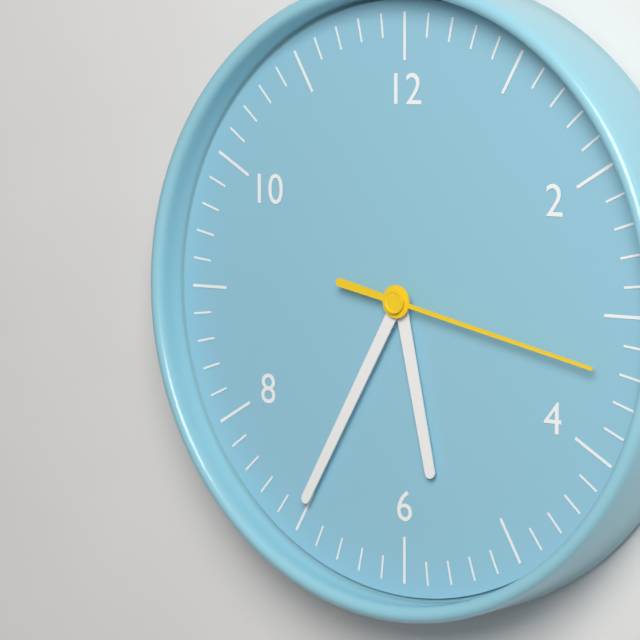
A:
5.35.17
